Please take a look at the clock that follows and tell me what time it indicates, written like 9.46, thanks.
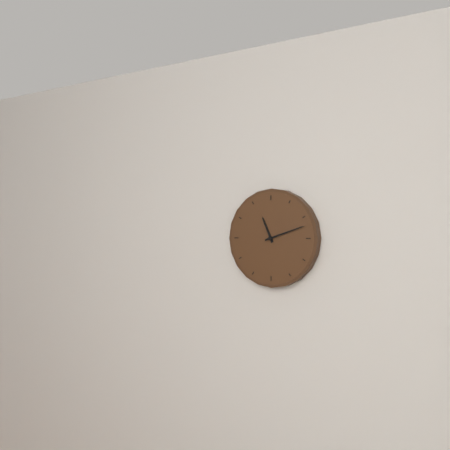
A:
11.12
